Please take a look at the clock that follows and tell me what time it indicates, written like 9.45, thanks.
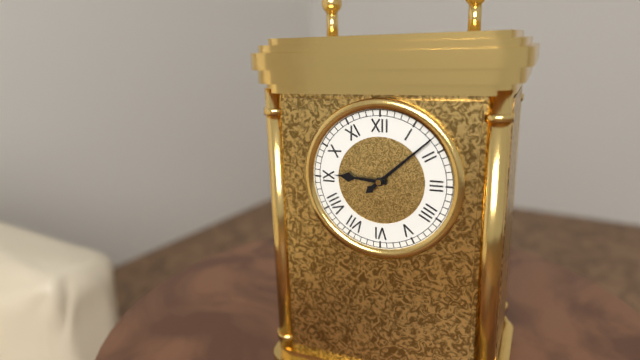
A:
9.08
